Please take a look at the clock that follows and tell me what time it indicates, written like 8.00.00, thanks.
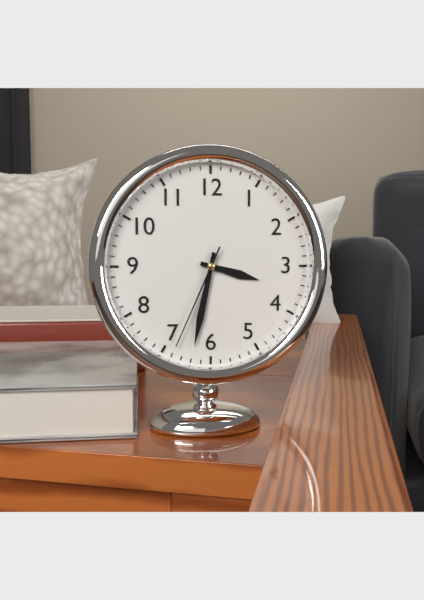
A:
3.32.34
